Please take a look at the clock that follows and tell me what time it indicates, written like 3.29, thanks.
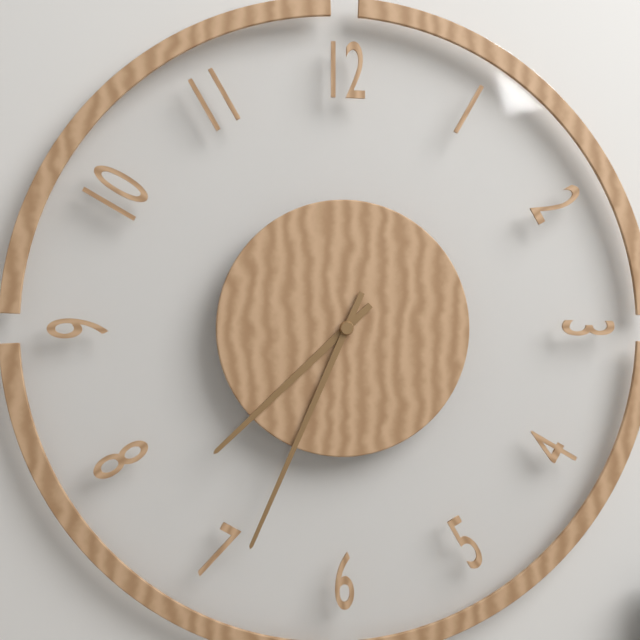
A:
7.34
